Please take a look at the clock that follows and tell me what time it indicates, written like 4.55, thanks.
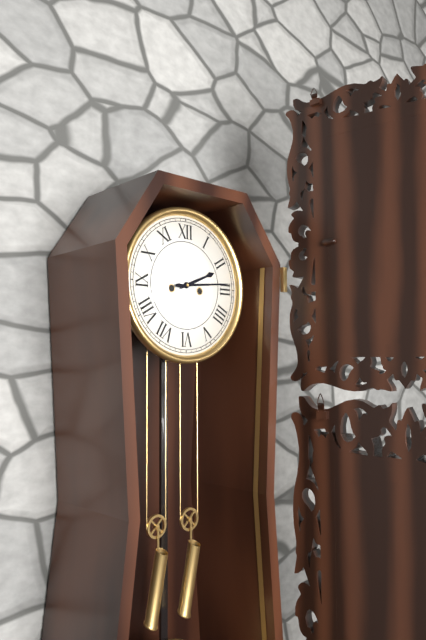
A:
2.14
